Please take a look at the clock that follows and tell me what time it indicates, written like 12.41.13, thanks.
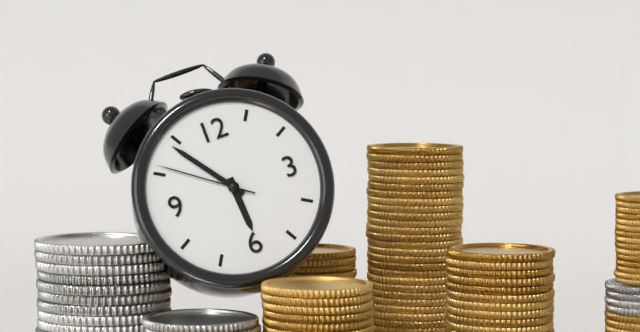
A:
5.54.51
